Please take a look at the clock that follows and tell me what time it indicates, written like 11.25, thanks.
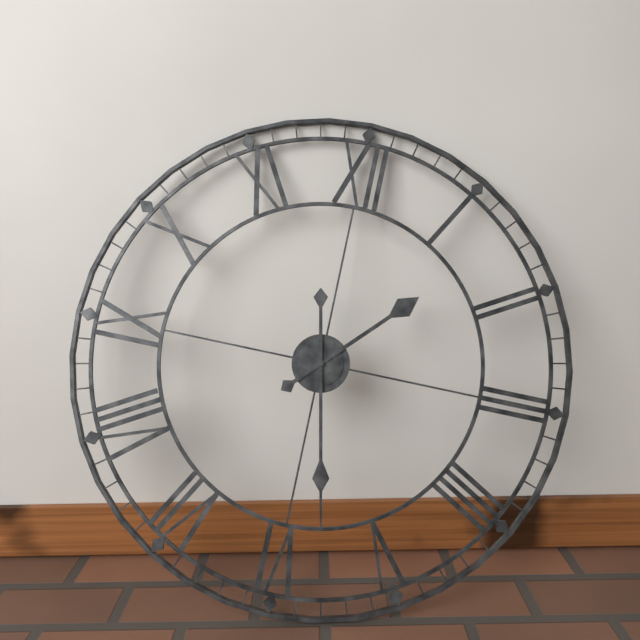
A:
1.28
